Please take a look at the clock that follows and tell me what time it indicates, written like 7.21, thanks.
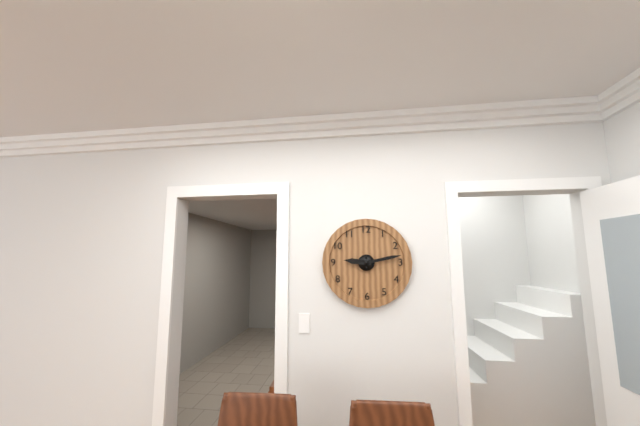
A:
9.13
